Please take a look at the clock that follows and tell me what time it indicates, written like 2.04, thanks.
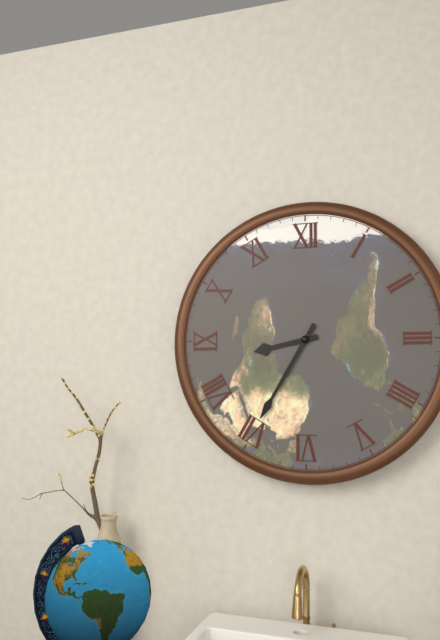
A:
8.35
